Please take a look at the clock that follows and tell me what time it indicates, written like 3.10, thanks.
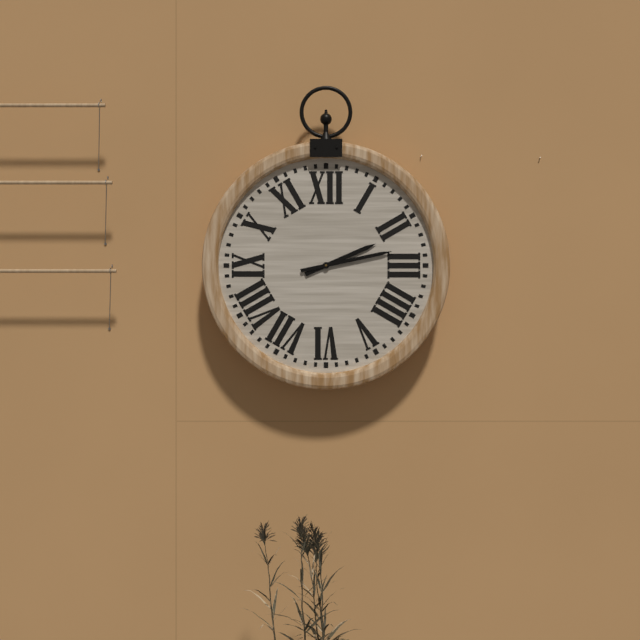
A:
2.13
